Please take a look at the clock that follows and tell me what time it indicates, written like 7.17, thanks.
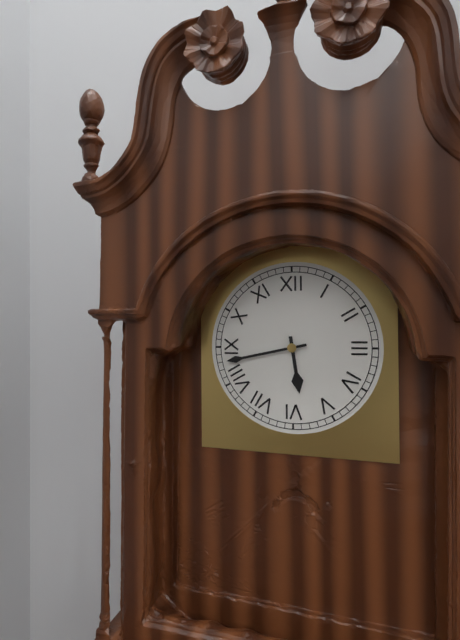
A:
5.43
